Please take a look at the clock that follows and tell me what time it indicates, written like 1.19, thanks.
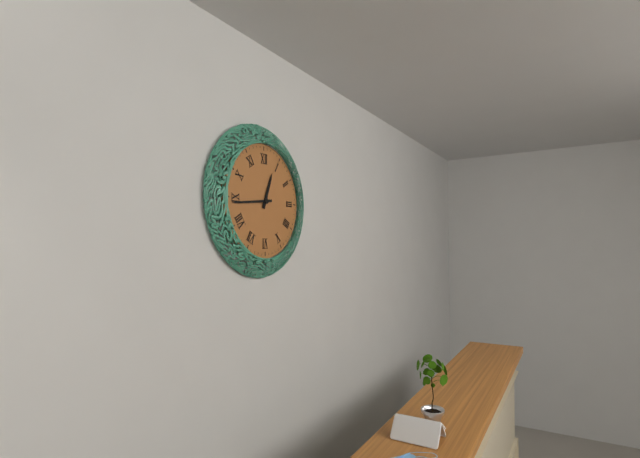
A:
12.44
